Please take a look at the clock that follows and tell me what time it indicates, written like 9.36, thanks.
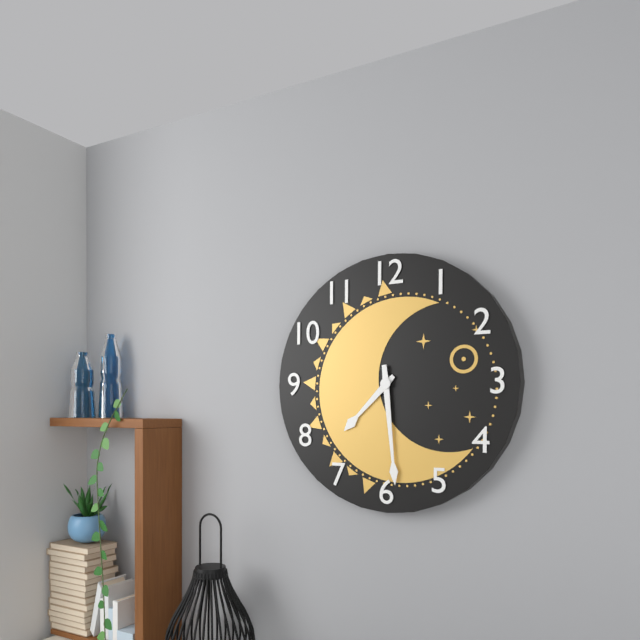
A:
7.29
